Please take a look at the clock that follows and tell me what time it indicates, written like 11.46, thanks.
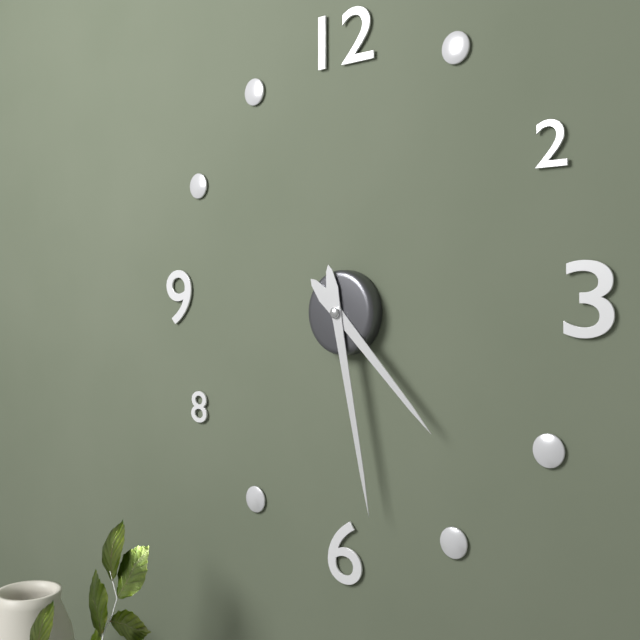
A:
4.28
